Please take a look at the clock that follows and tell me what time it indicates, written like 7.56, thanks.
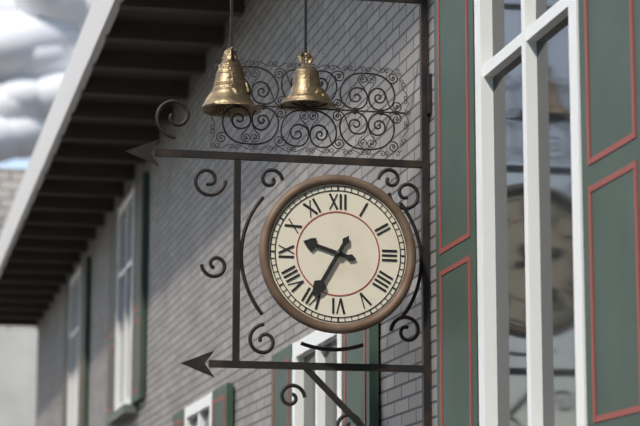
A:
9.35
